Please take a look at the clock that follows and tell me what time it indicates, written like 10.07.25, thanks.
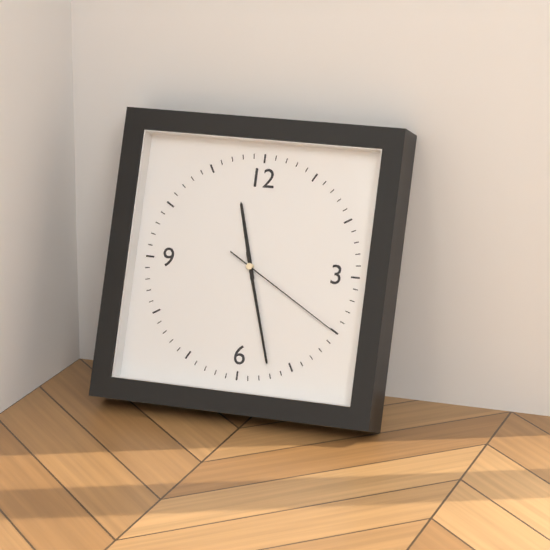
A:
11.27.20
